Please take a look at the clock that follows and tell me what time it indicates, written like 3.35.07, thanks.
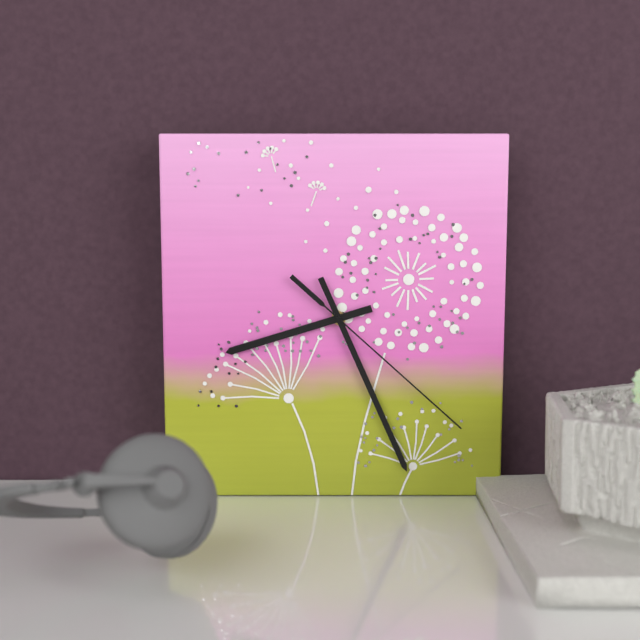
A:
8.26.22
